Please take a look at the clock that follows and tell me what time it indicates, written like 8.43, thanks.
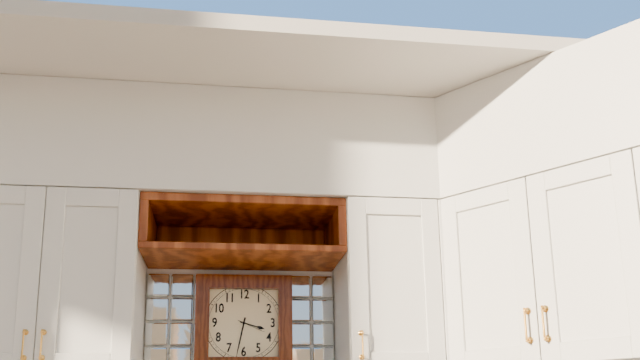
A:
3.32
